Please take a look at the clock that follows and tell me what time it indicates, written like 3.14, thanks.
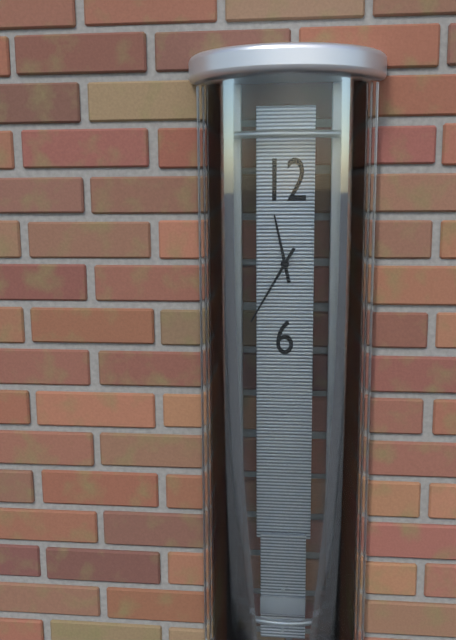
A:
11.35
